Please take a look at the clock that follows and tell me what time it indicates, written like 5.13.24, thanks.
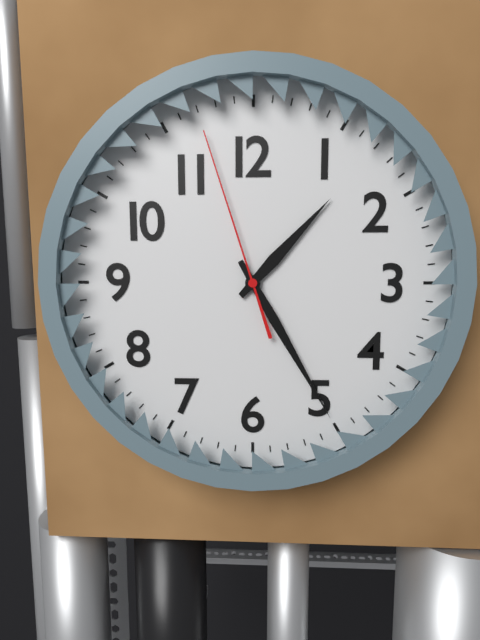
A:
1.25.57
